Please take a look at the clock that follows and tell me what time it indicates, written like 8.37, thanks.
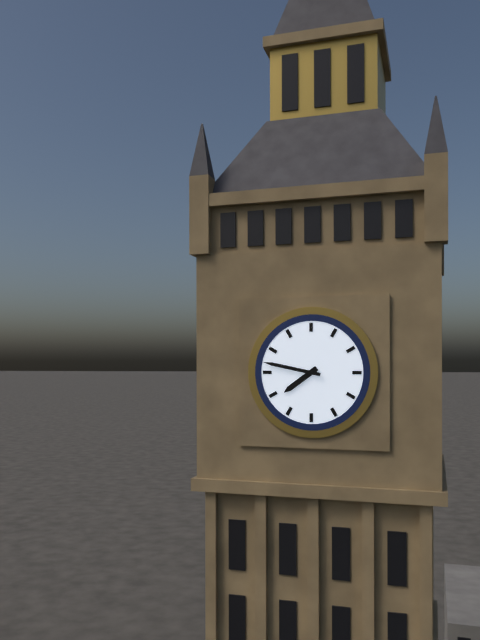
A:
7.47
